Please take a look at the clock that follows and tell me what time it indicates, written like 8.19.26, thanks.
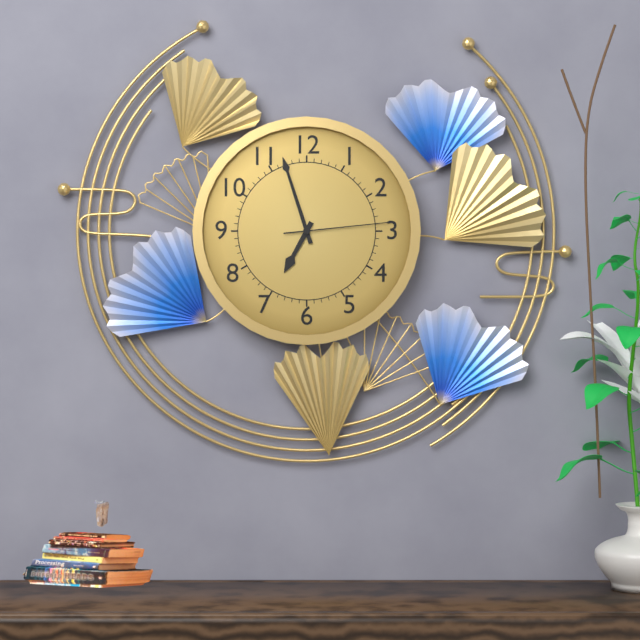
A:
6.57.14
